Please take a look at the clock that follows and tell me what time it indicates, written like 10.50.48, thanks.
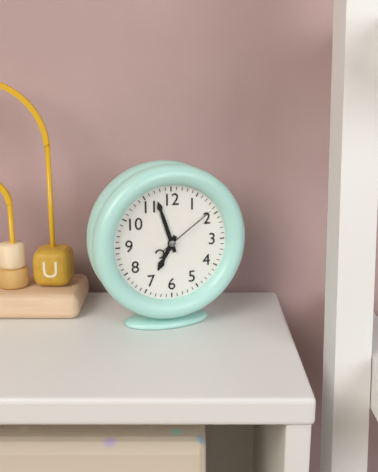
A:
6.57.09
